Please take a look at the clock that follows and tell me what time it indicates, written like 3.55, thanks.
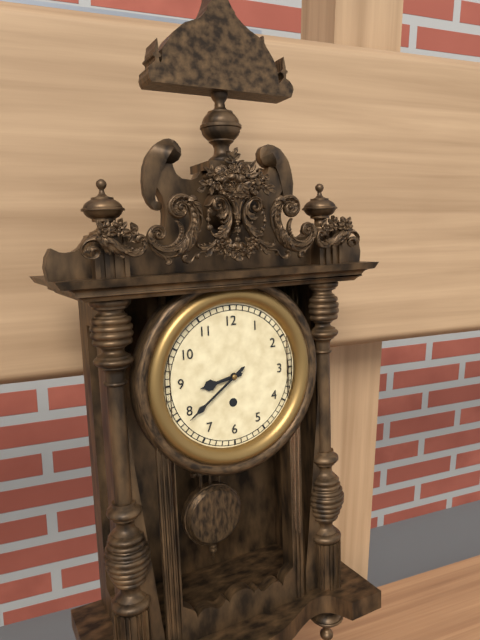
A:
8.39
